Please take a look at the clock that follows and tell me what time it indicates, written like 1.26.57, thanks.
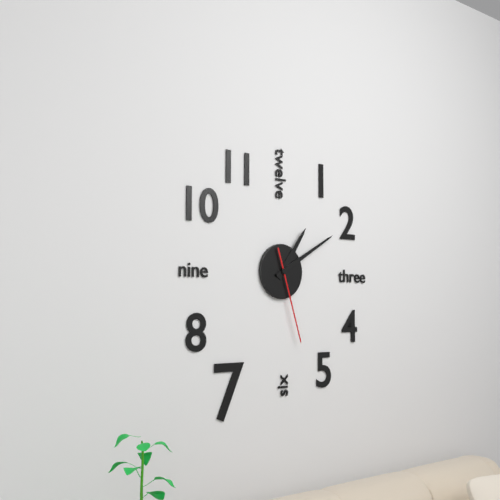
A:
1.10.27
